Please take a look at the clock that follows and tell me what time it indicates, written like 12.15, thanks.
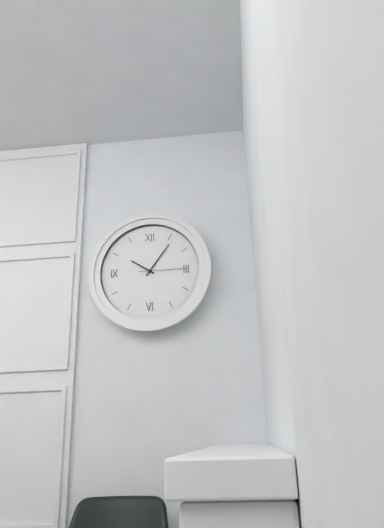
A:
10.06
